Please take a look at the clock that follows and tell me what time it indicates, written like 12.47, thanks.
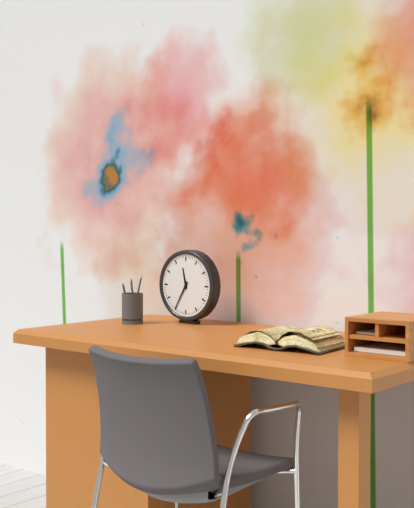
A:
11.35
